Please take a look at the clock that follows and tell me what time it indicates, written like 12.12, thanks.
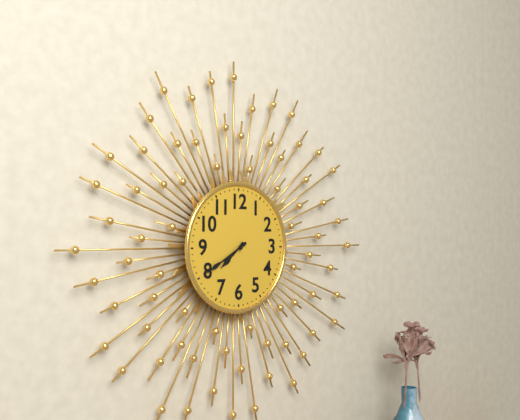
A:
7.40
